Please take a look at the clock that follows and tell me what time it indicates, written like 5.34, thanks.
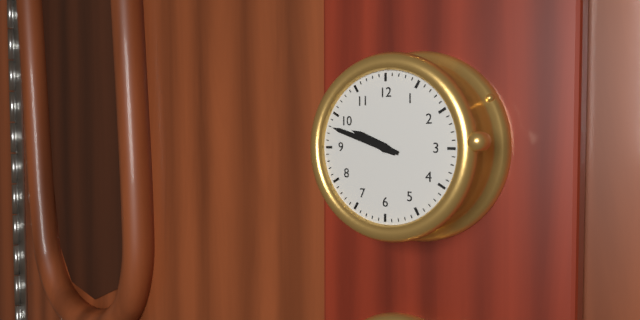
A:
9.48
